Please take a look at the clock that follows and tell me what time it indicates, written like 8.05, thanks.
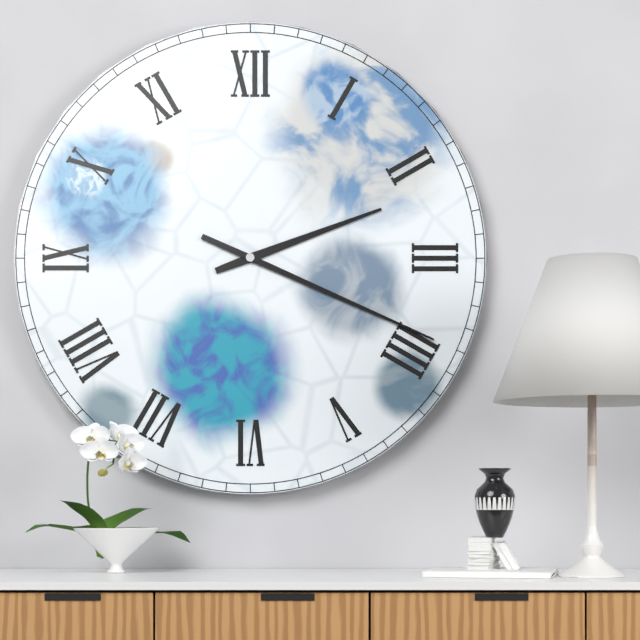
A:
2.19
